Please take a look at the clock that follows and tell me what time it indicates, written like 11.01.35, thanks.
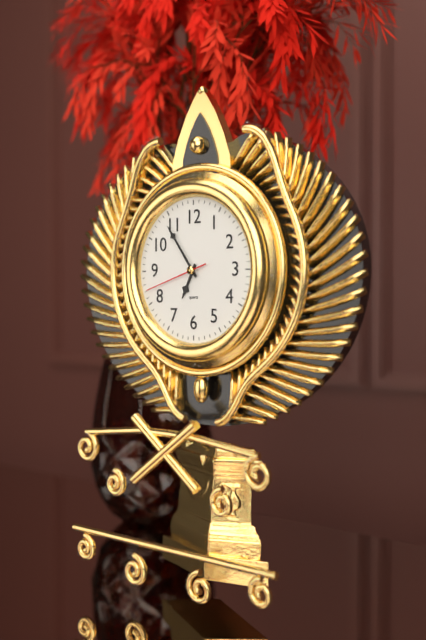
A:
6.54.42
